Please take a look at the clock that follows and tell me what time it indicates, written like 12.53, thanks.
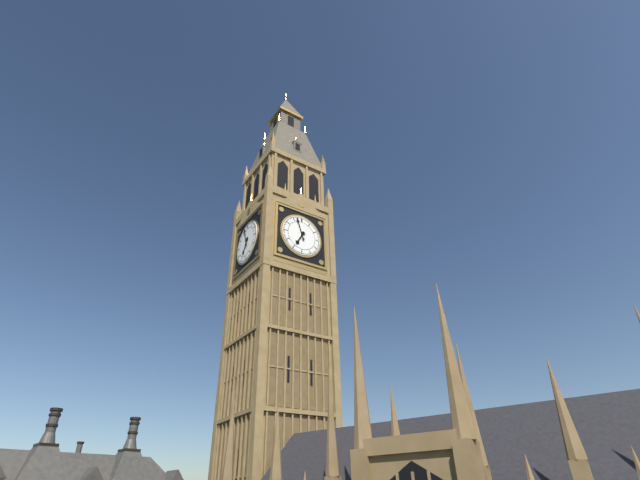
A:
6.57
